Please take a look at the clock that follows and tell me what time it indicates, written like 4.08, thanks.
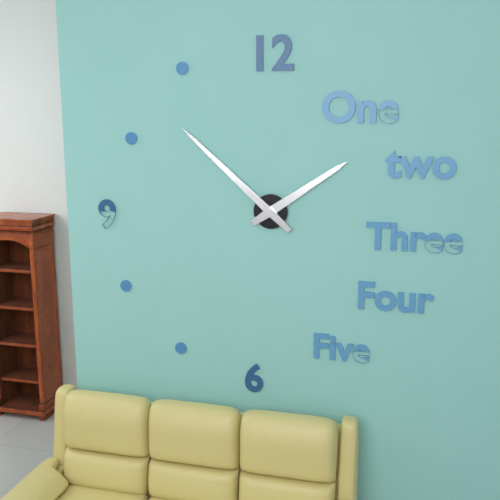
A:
1.52
